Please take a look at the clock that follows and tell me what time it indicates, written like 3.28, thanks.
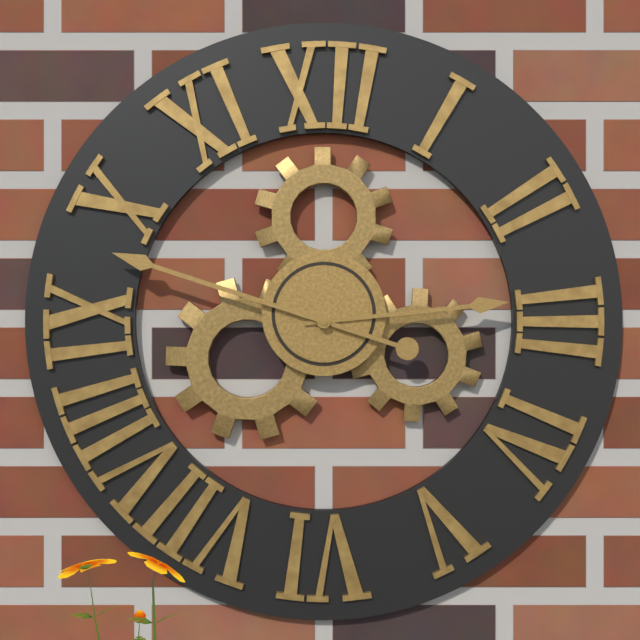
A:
2.48
